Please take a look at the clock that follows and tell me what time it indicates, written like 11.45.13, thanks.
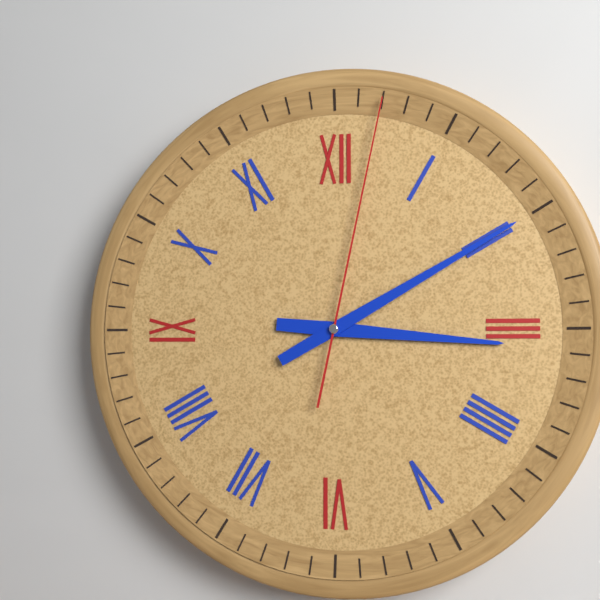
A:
3.10.02
